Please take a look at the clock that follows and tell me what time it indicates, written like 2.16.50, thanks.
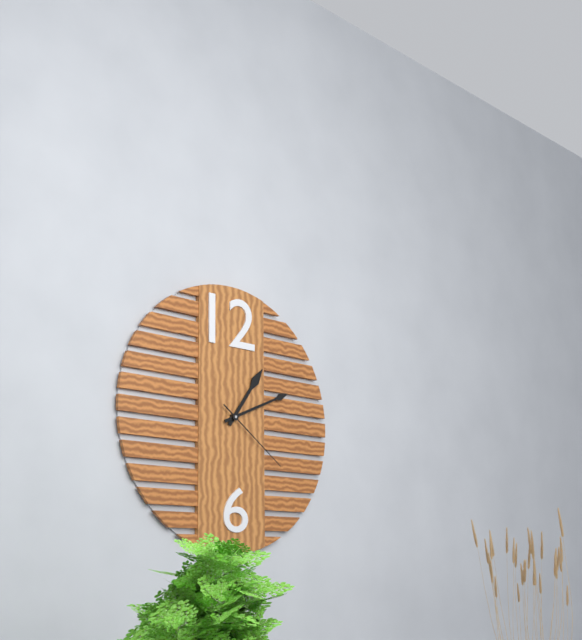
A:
1.11.21
